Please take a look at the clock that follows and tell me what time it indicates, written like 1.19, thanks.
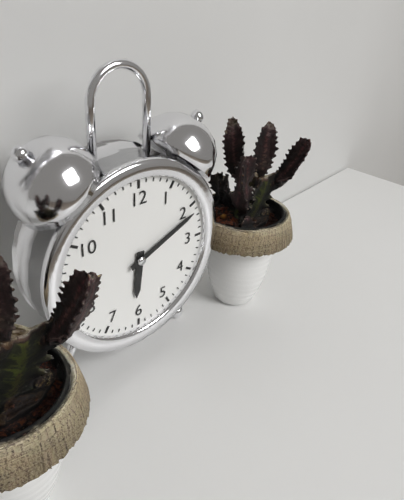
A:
6.11
